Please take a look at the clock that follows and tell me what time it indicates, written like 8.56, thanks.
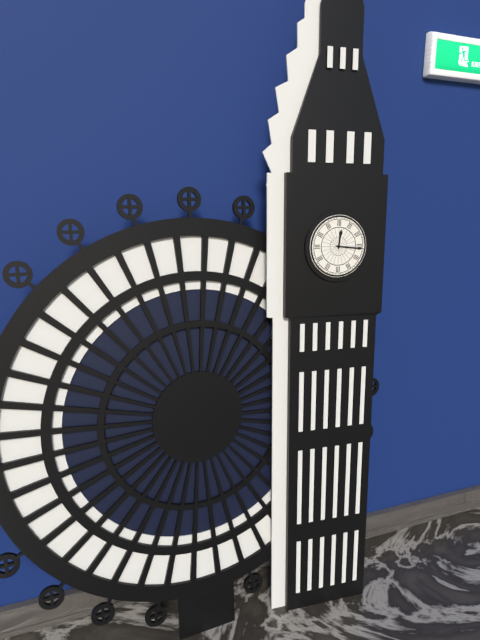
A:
12.16
